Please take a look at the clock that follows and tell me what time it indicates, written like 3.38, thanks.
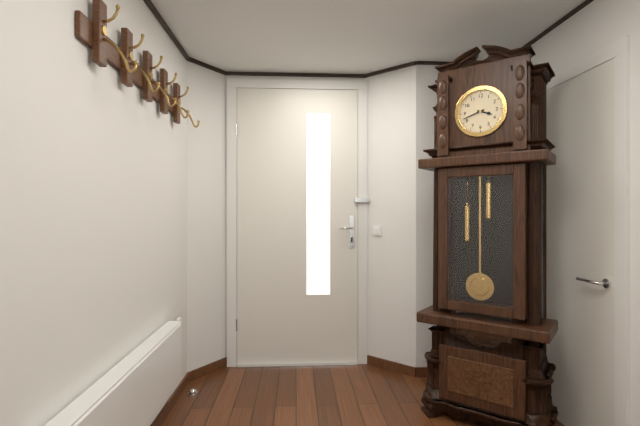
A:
3.42
